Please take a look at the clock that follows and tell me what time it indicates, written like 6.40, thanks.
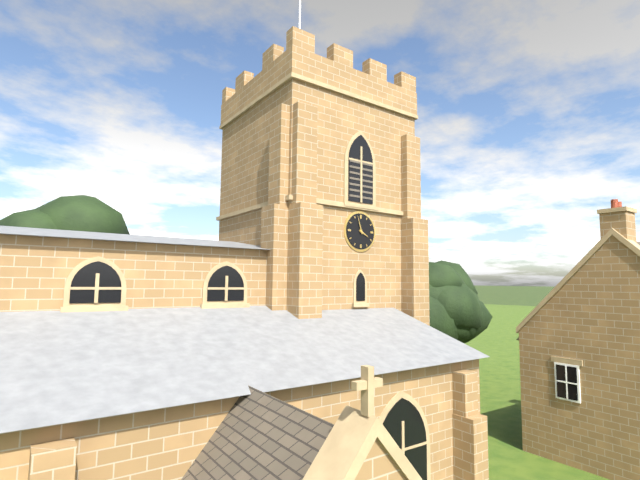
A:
3.57
